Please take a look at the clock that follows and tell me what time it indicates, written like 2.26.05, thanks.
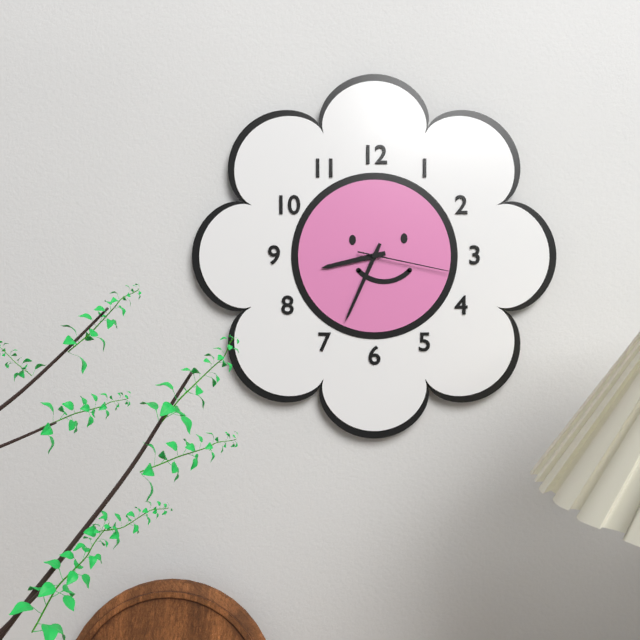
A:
8.34.17
